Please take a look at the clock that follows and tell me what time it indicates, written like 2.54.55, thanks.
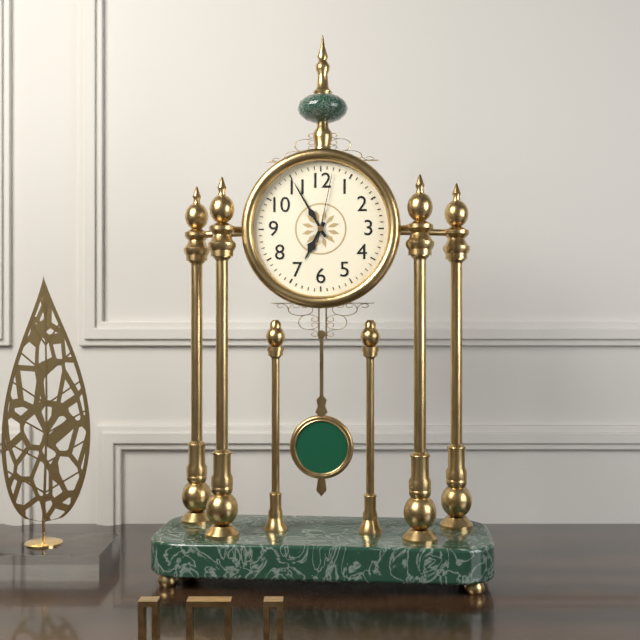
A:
6.55.02
